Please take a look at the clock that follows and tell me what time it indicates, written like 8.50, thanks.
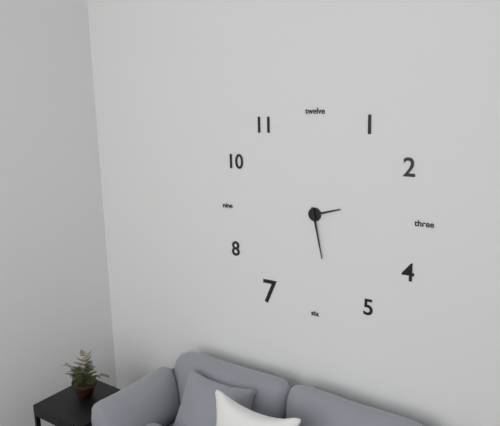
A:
2.28
